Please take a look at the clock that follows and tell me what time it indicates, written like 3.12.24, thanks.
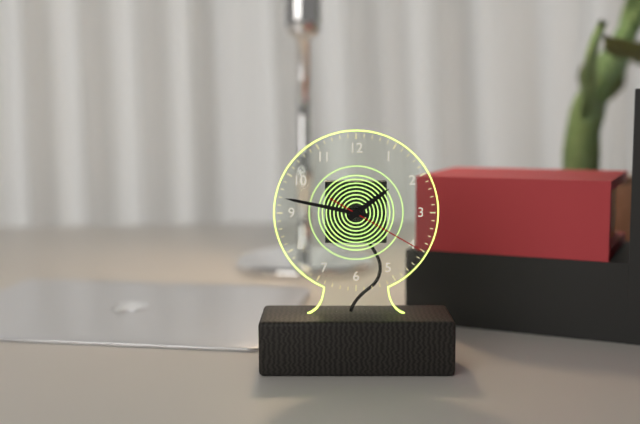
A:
1.47.20
